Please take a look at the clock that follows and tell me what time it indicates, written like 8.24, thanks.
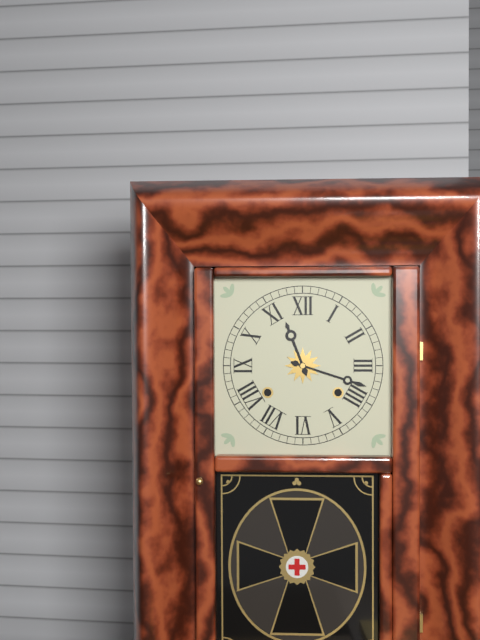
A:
11.18
